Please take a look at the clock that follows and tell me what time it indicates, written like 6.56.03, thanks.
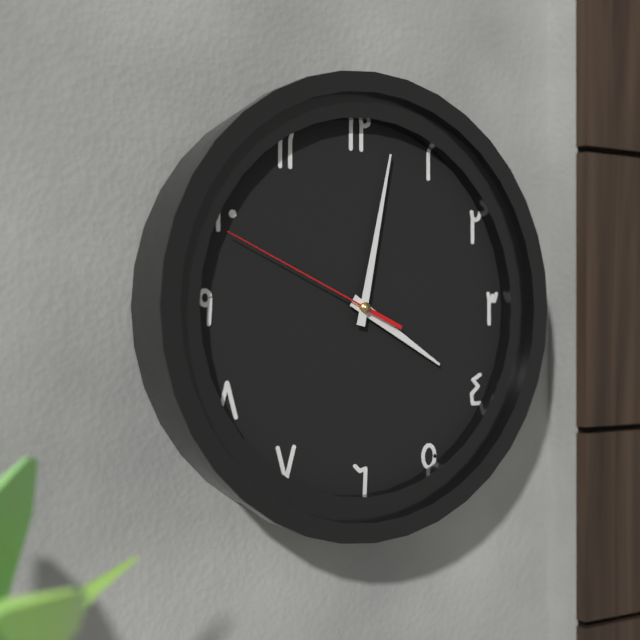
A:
4.02.49
